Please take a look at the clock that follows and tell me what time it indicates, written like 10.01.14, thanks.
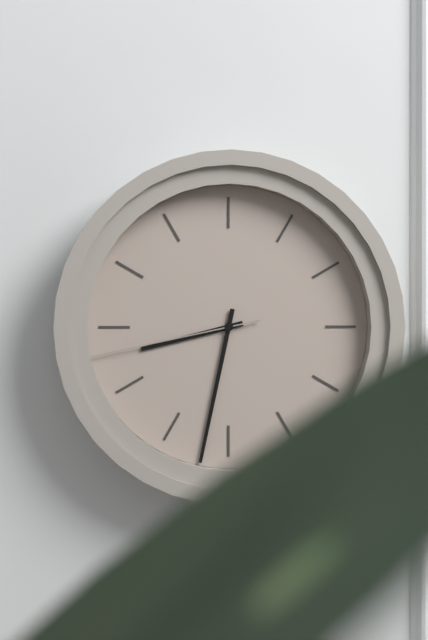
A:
8.32.43
